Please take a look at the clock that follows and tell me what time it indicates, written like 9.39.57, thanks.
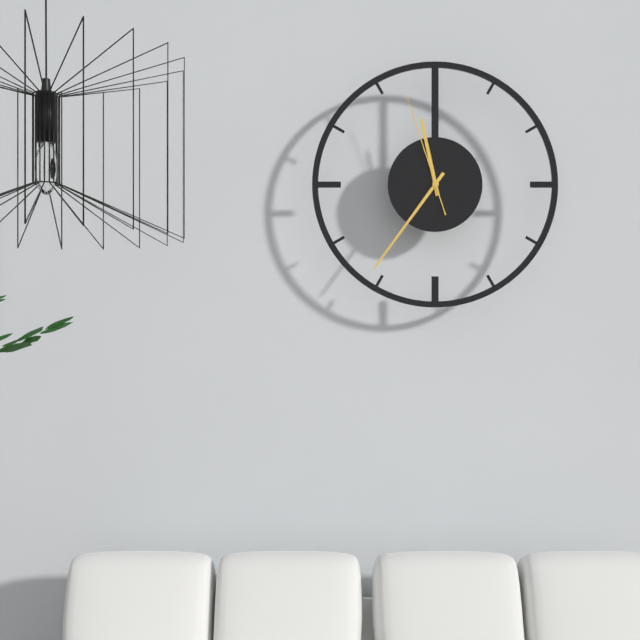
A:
11.36.57
